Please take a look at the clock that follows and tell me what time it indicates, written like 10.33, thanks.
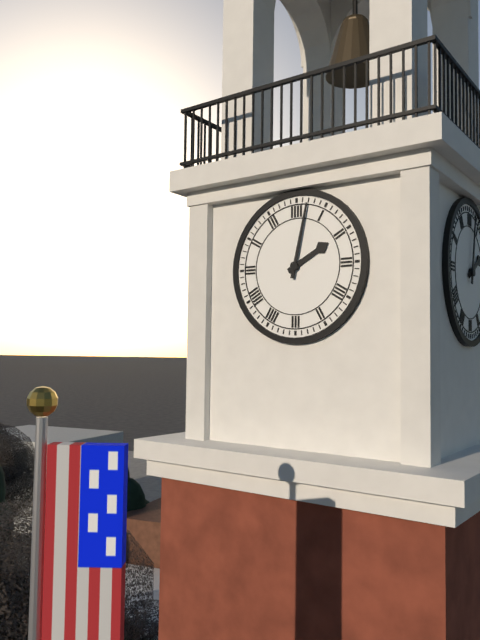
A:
2.02
